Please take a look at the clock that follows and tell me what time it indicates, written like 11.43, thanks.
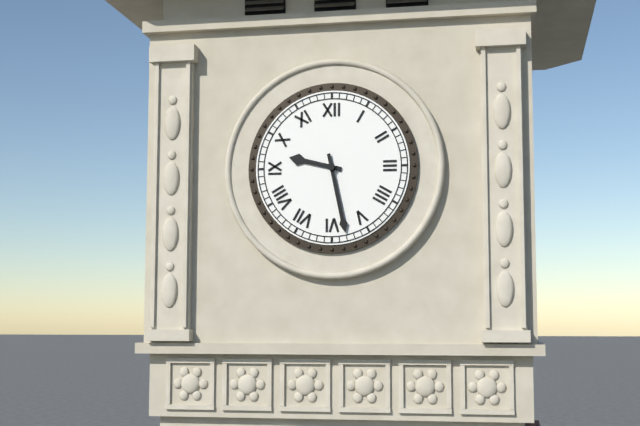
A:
9.28
